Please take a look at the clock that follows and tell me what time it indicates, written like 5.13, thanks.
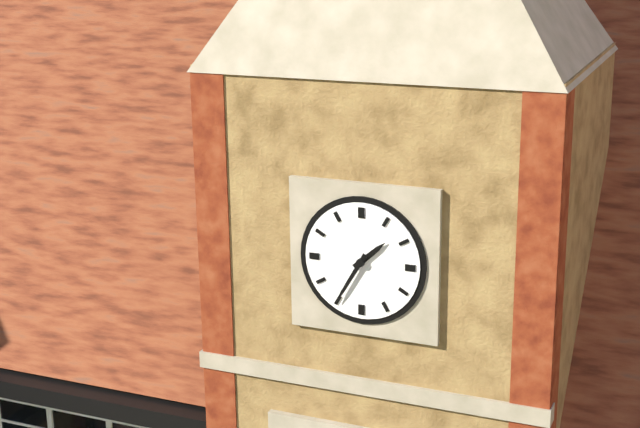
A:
1.35
